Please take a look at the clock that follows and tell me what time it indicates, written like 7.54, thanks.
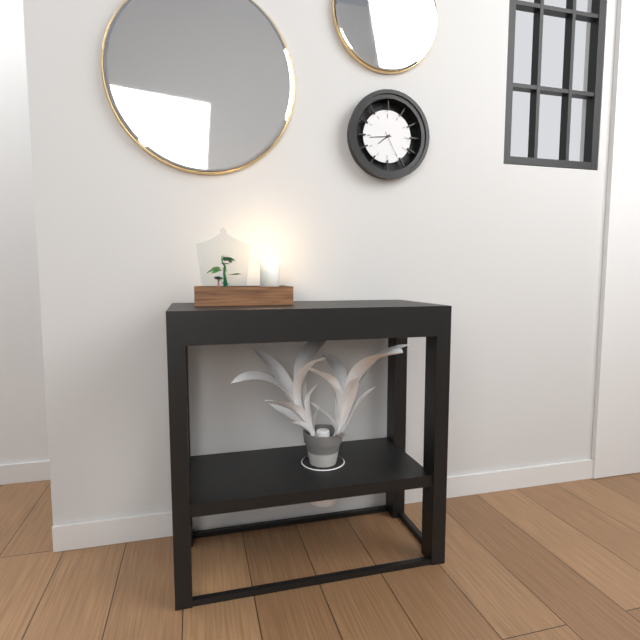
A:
7.44
